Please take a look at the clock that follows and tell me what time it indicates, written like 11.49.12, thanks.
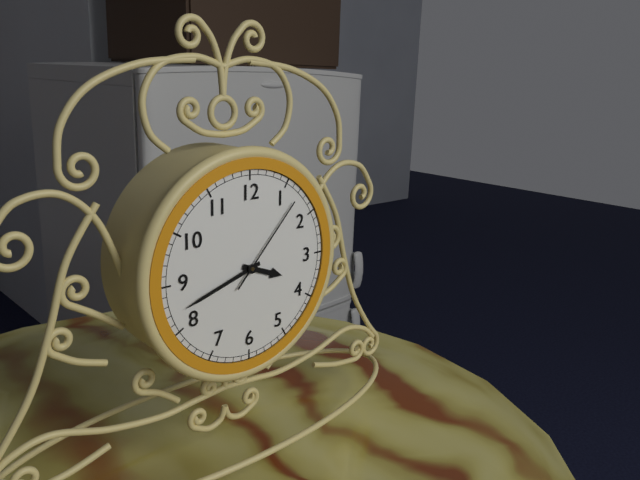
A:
3.42.07
